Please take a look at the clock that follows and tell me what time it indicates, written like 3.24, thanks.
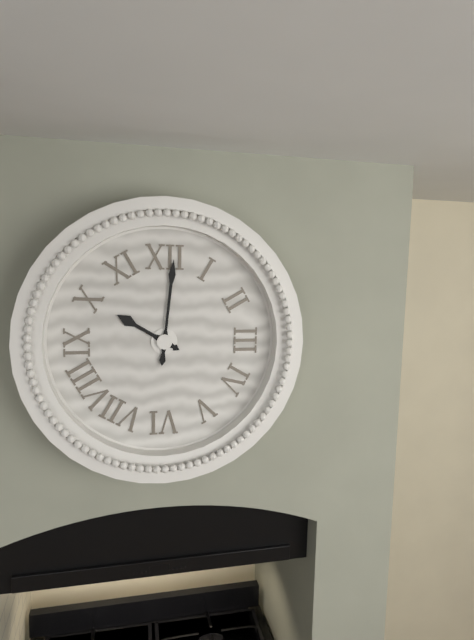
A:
10.01
